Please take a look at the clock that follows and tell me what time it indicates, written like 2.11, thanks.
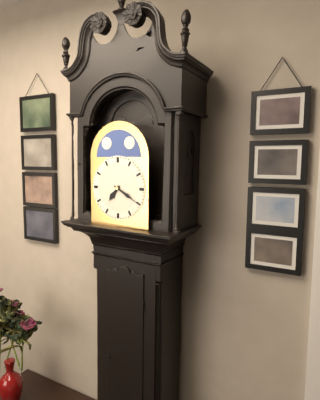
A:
7.20
